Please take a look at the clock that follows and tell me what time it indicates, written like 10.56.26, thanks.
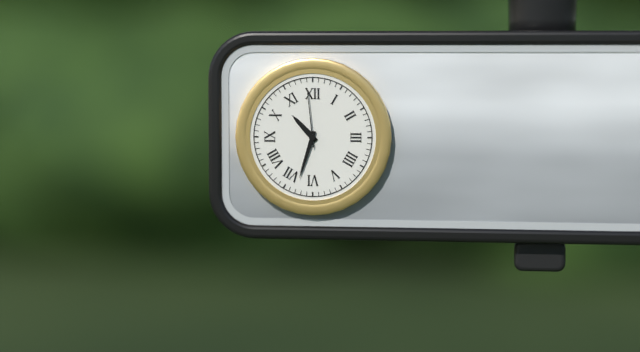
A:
10.33.59
